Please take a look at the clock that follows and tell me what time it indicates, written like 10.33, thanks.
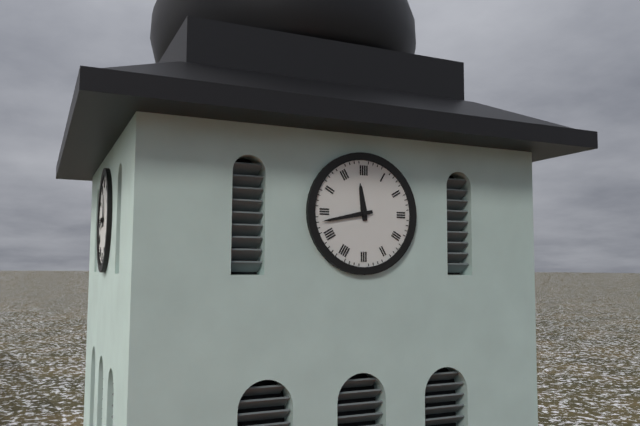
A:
11.43
